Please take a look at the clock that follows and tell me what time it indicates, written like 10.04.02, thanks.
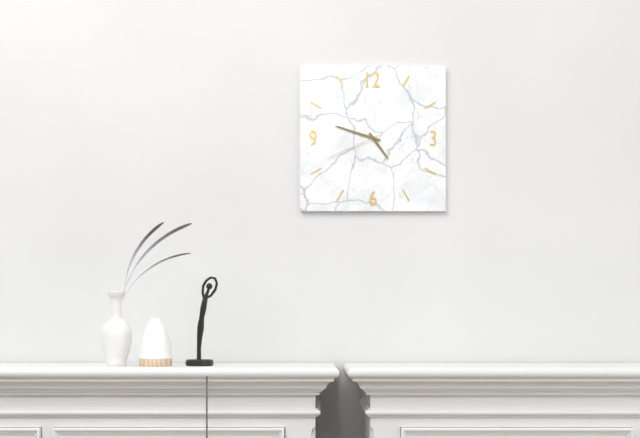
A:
4.48.41
